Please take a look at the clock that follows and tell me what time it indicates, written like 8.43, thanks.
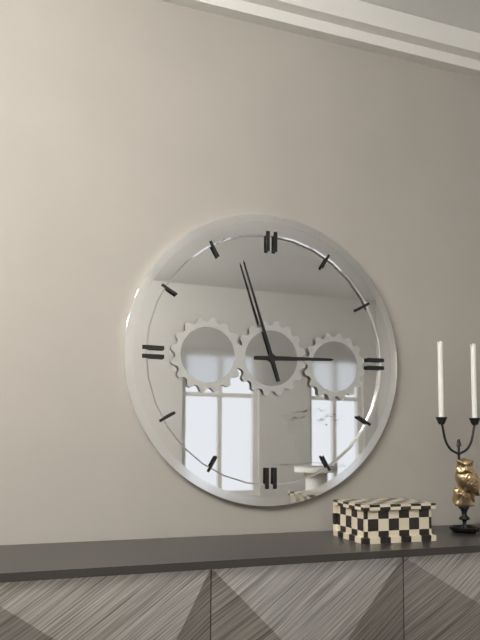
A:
2.57
